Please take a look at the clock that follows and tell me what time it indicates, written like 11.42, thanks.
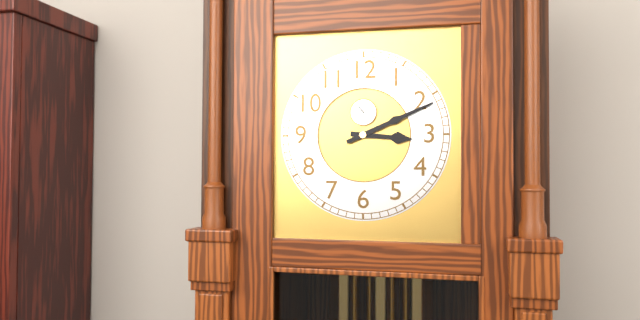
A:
3.11
